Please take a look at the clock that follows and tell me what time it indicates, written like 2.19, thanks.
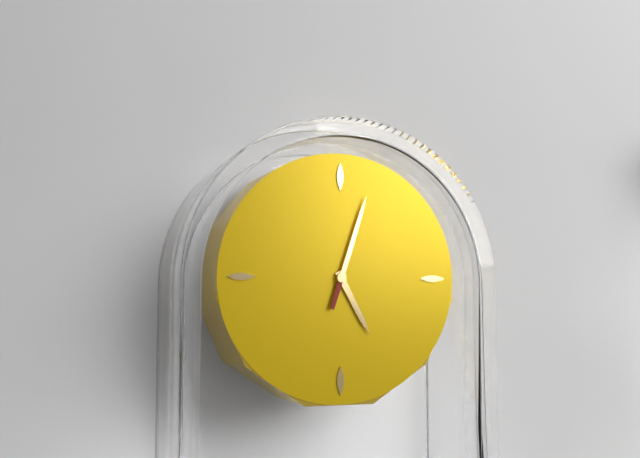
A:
5.03
